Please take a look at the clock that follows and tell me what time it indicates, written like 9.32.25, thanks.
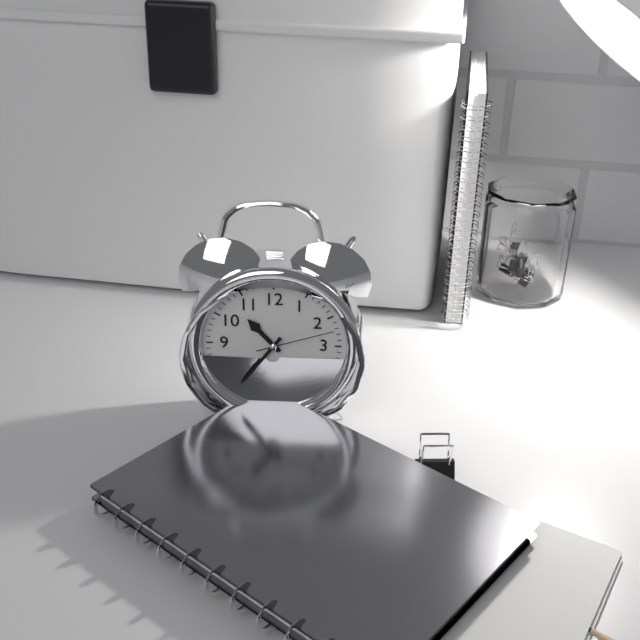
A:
10.36.12
